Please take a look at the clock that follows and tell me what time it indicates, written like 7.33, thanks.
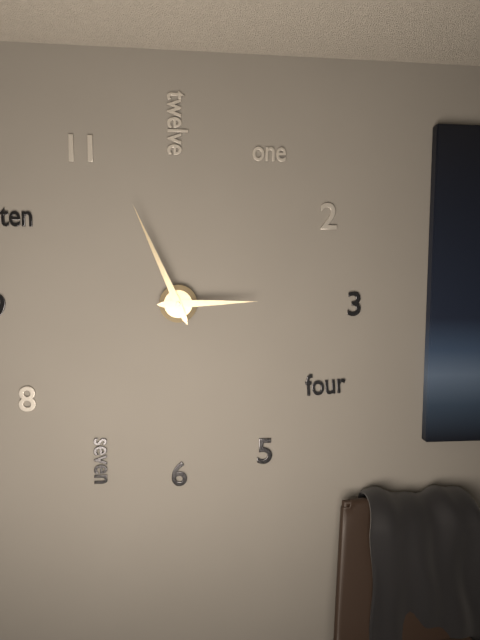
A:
2.56
